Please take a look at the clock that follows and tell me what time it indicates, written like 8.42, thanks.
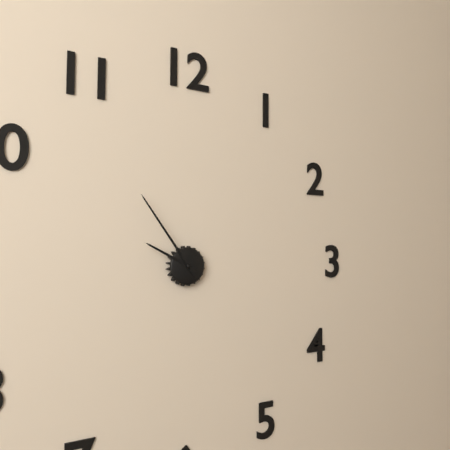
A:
9.54
